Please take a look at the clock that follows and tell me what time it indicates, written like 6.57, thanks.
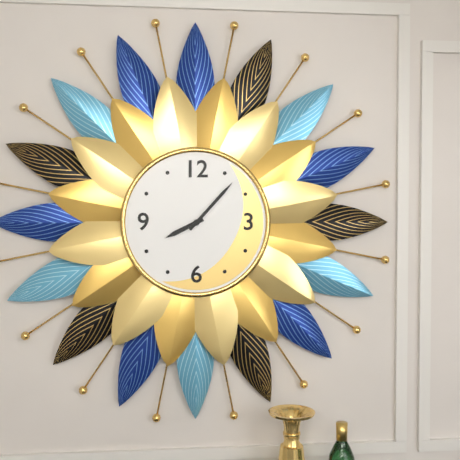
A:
8.07
